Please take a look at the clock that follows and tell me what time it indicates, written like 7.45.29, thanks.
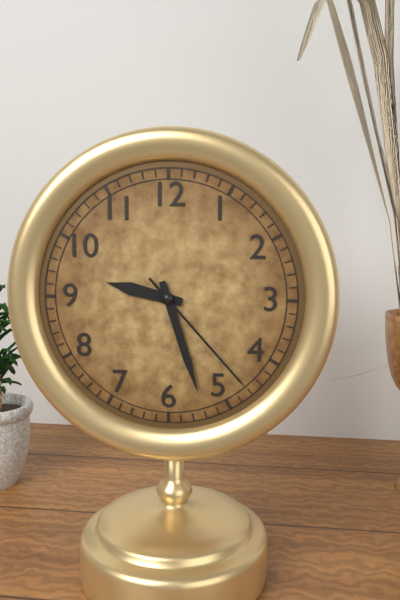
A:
9.27.23
